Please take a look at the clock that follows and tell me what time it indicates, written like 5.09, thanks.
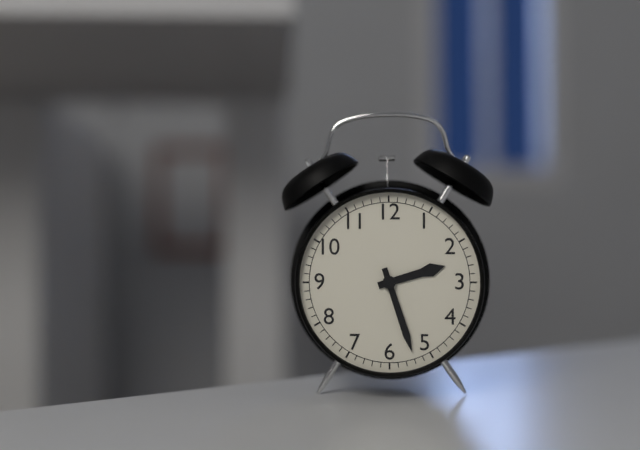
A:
2.27
